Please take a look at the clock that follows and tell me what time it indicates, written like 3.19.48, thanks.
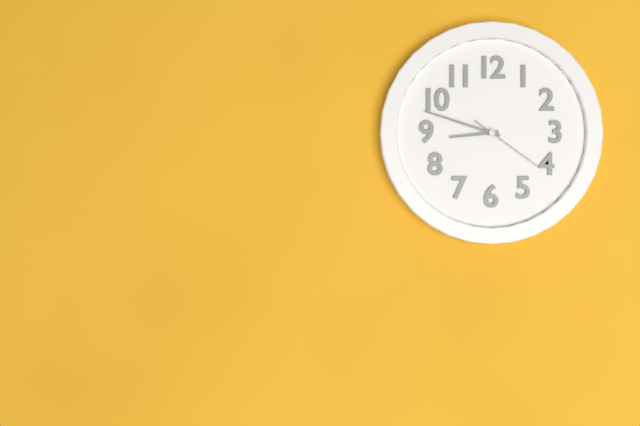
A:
8.48.21
